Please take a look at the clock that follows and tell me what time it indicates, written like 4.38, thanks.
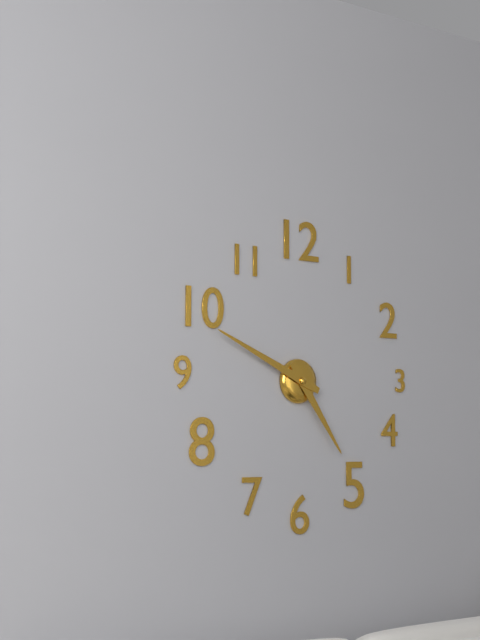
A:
4.49
